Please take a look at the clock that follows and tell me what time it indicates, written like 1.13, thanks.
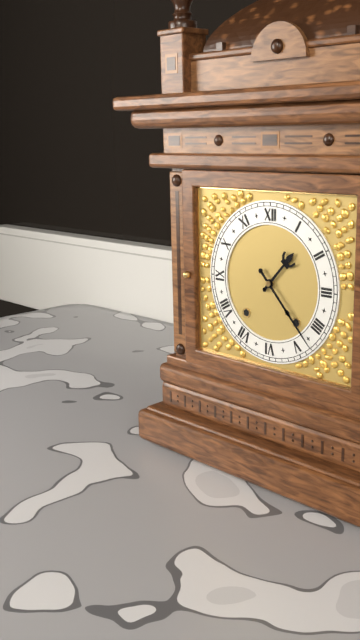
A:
1.23
